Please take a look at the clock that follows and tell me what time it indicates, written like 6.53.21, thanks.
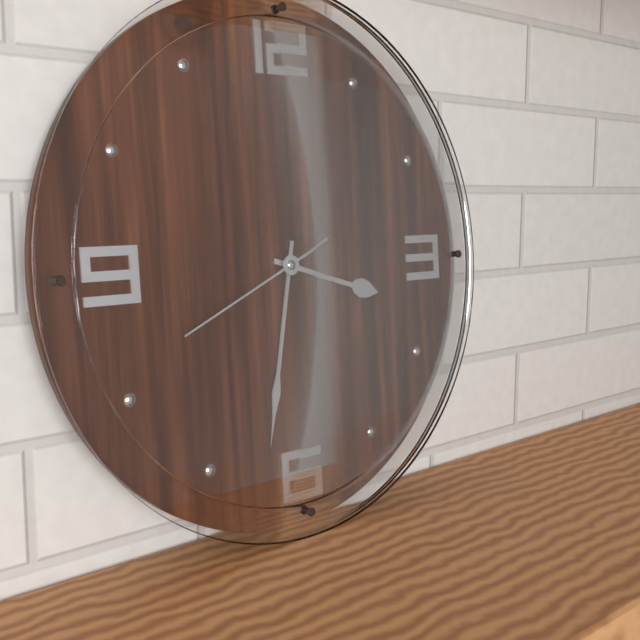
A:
3.32.41
